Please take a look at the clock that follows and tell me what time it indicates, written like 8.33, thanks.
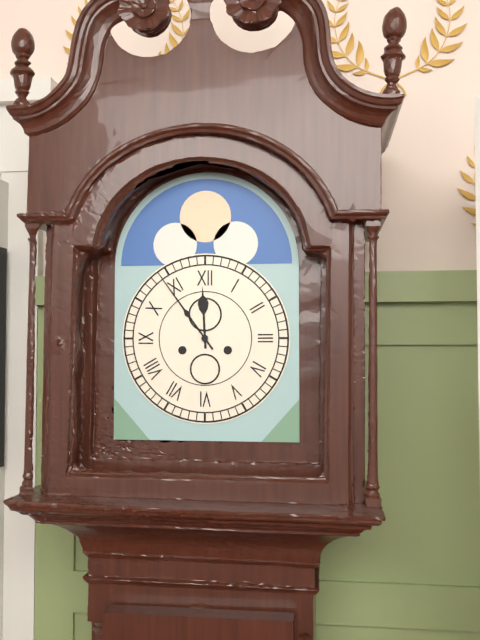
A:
11.54
